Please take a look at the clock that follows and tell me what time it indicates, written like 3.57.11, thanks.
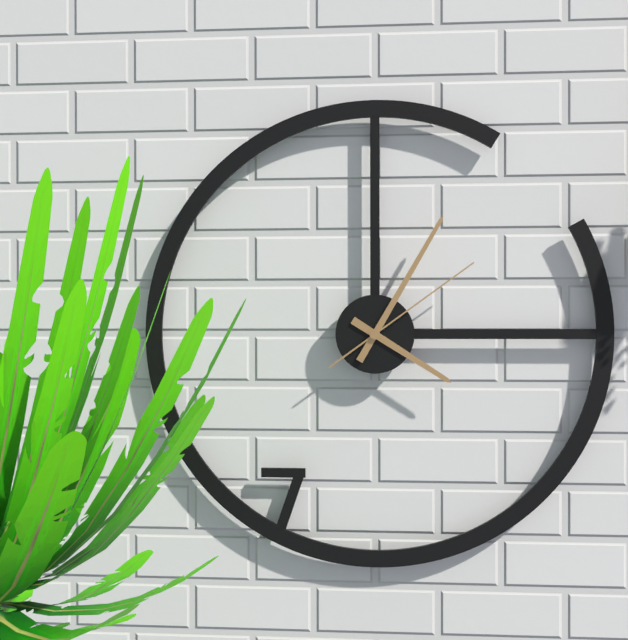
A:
4.05.09
